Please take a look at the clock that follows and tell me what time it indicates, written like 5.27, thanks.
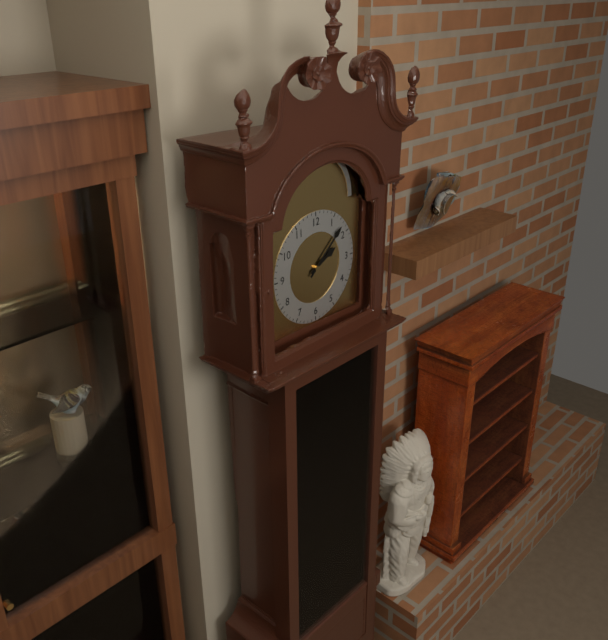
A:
2.08
